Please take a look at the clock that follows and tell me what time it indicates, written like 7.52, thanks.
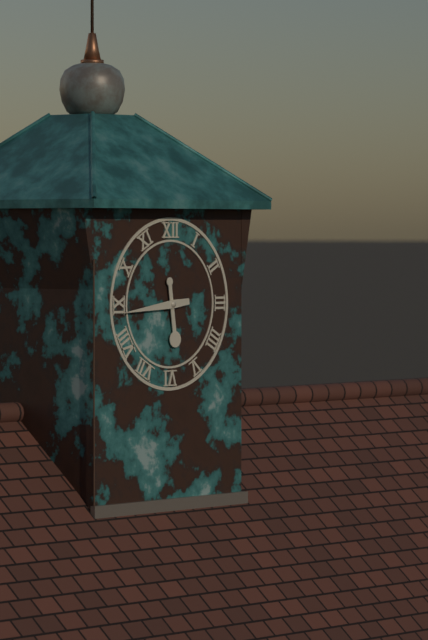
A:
5.44
